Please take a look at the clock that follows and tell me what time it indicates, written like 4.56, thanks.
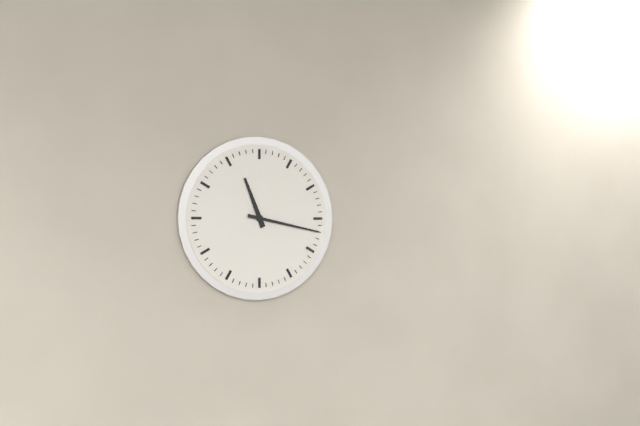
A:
11.17
